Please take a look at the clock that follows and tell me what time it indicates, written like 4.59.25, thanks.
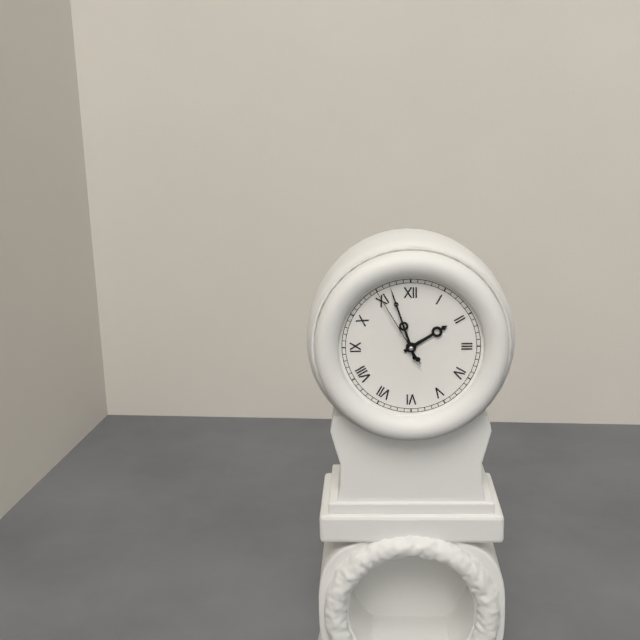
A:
1.57.55
